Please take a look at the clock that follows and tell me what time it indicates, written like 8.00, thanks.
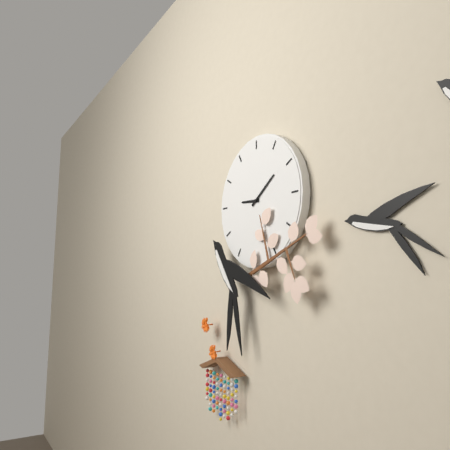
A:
9.09
